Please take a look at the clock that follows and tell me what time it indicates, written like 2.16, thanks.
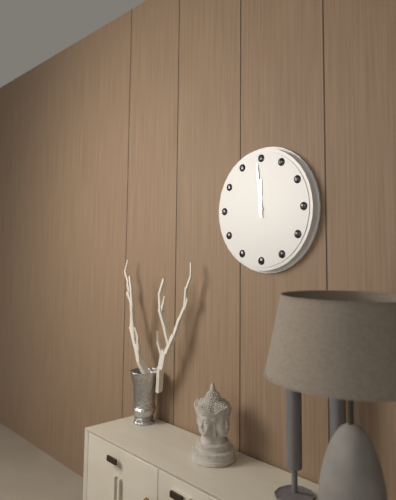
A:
11.59
